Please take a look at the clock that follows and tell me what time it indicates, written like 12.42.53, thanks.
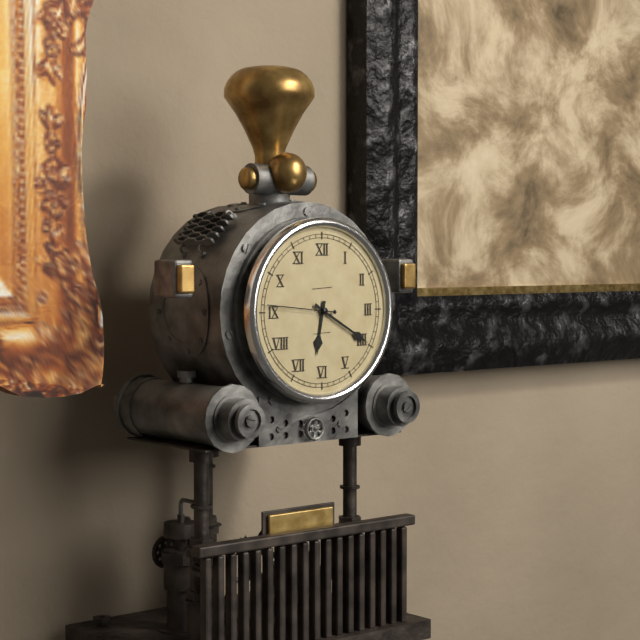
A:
6.20.46
